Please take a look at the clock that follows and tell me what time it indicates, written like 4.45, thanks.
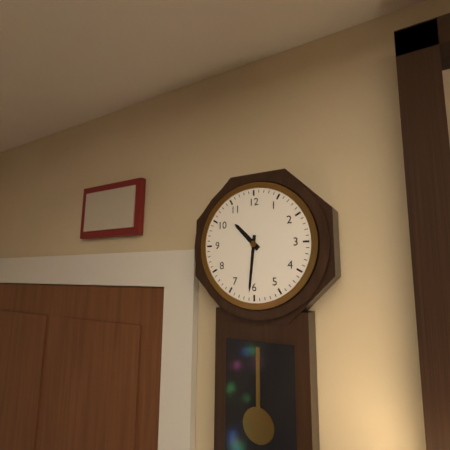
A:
10.31
